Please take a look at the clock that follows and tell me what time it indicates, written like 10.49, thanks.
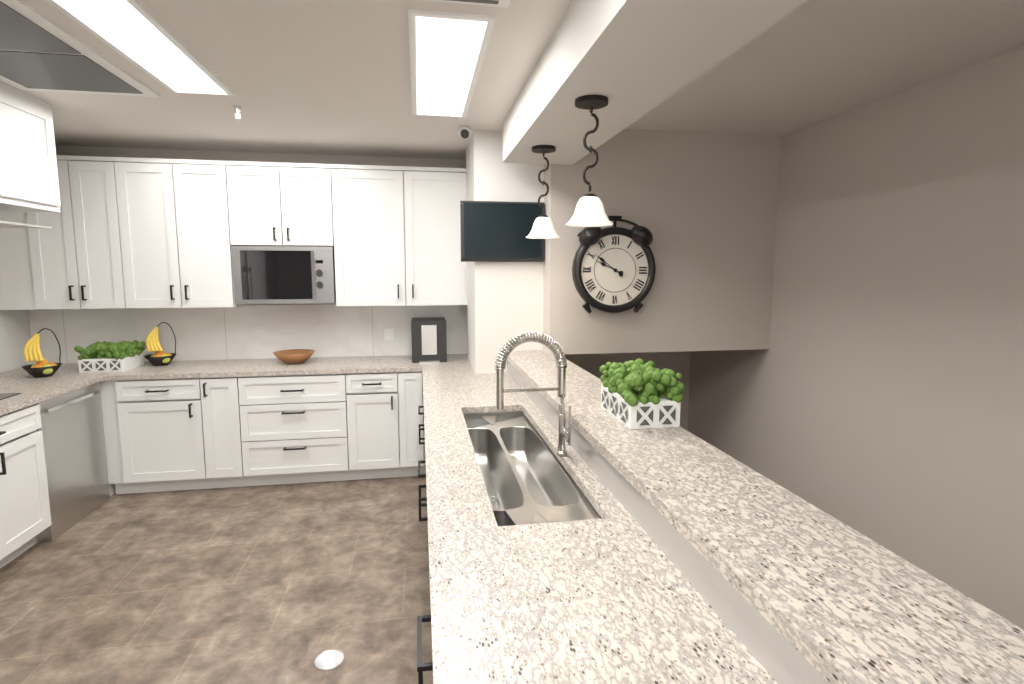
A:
9.51
